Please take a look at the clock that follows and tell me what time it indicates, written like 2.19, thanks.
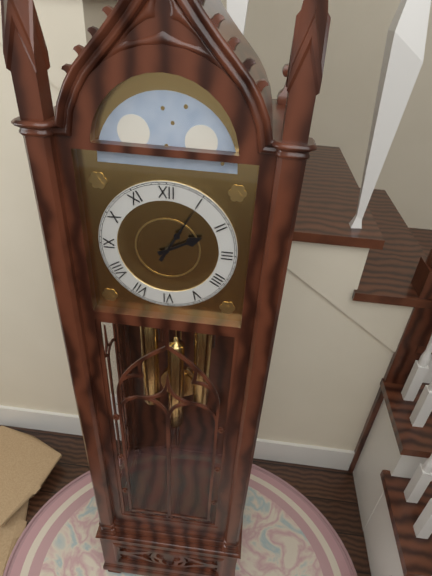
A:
2.05
